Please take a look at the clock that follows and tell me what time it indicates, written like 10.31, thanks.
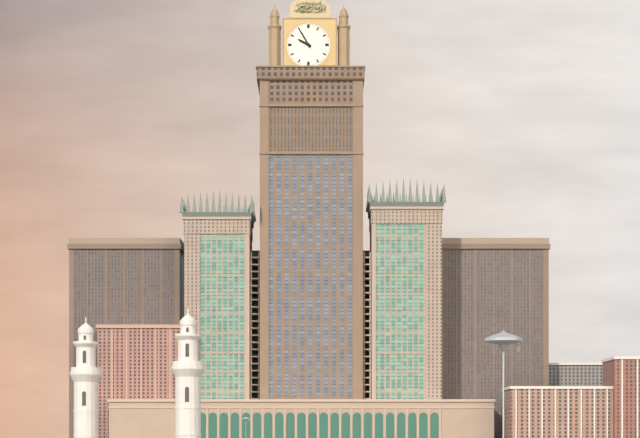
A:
9.55
